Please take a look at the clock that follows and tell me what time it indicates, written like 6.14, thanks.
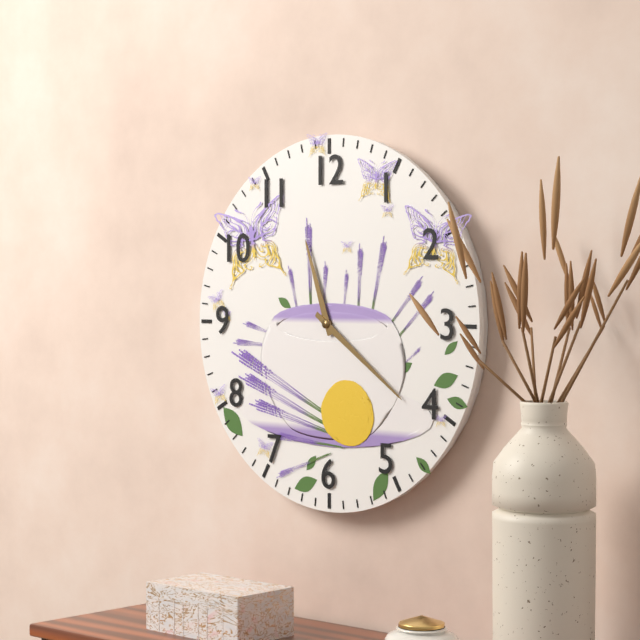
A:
11.21
